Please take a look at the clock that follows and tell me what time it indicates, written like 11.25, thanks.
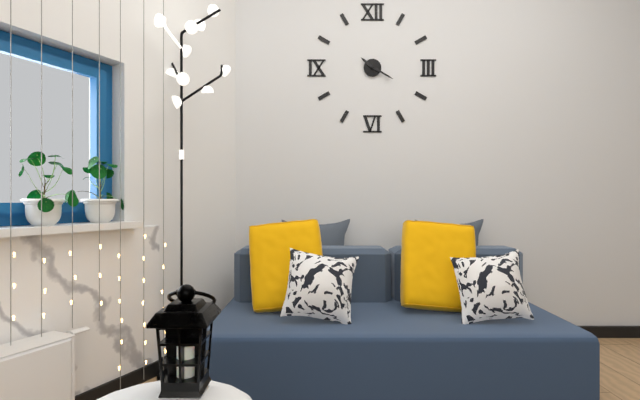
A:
10.20
